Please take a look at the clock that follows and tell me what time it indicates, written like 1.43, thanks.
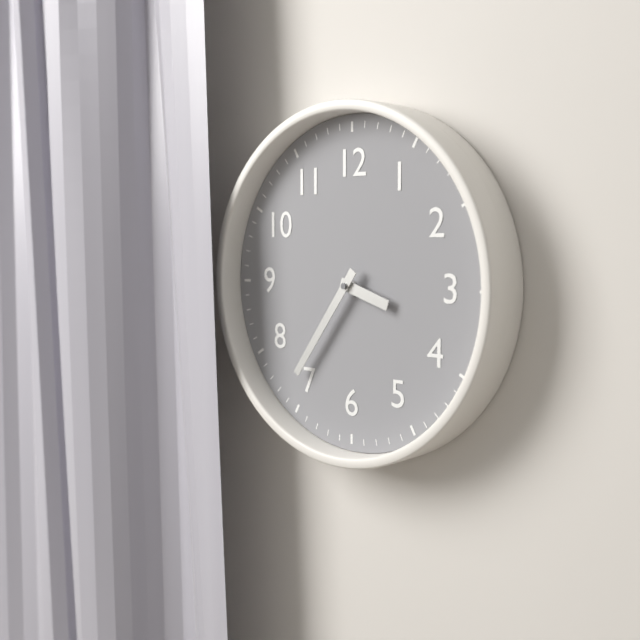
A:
3.36
